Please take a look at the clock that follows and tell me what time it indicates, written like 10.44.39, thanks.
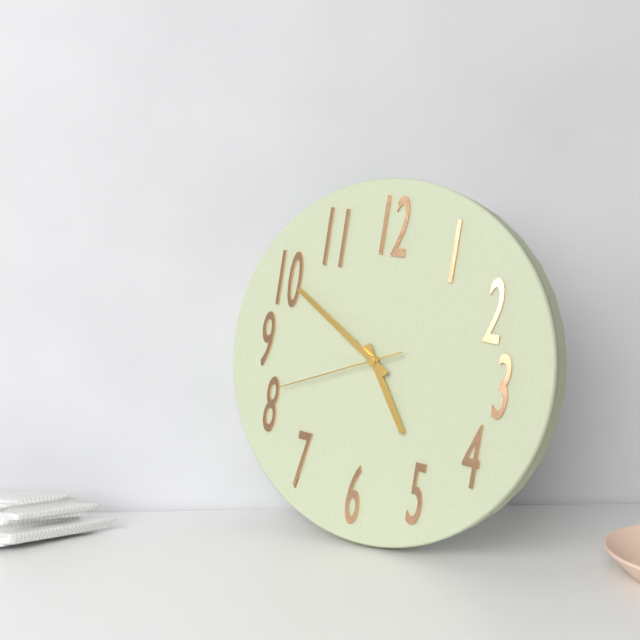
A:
4.50.41
